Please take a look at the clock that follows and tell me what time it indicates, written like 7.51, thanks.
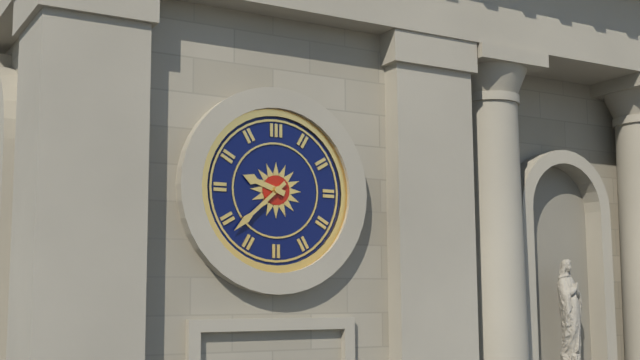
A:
9.38
